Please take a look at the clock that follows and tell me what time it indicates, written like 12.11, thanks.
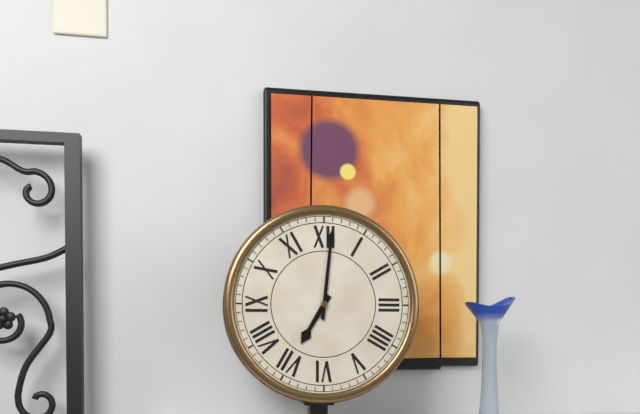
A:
7.01
